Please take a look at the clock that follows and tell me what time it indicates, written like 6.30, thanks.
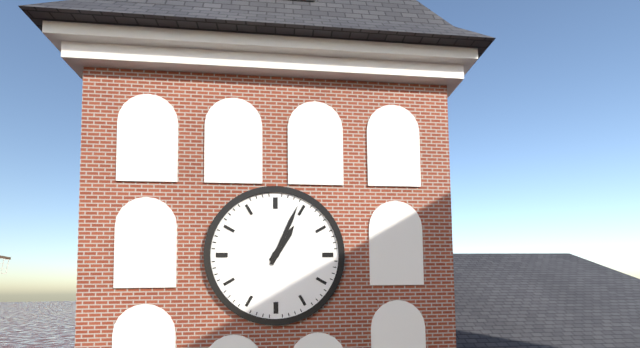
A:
1.04
